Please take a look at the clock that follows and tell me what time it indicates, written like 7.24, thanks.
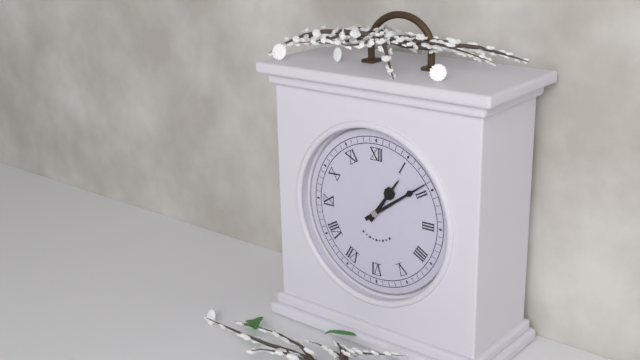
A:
1.09
